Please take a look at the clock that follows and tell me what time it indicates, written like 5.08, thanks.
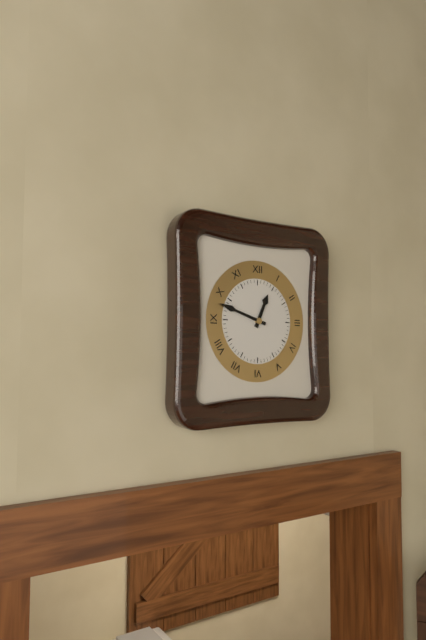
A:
12.48
